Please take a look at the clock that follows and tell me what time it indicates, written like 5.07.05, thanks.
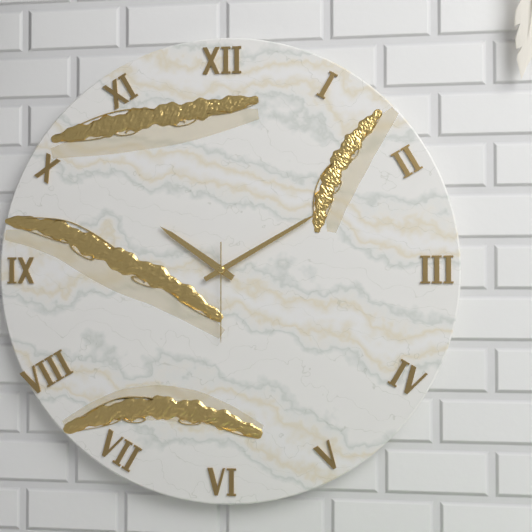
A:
10.10.30
